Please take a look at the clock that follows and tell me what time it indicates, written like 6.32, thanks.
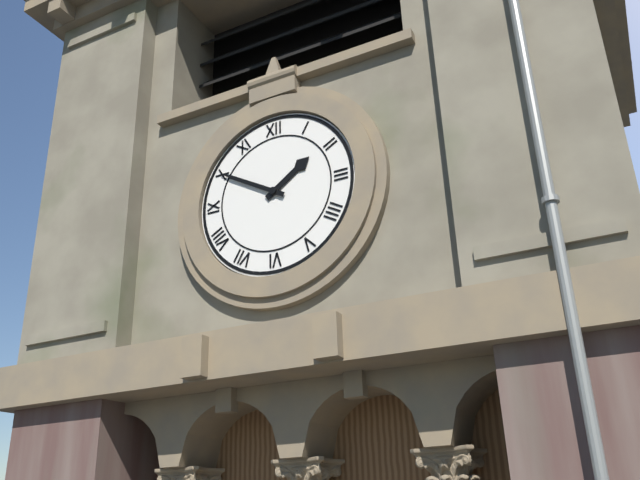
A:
1.50
